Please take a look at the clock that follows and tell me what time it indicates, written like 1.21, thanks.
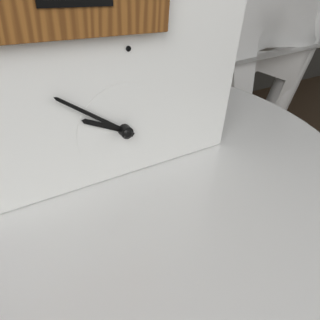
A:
9.51
